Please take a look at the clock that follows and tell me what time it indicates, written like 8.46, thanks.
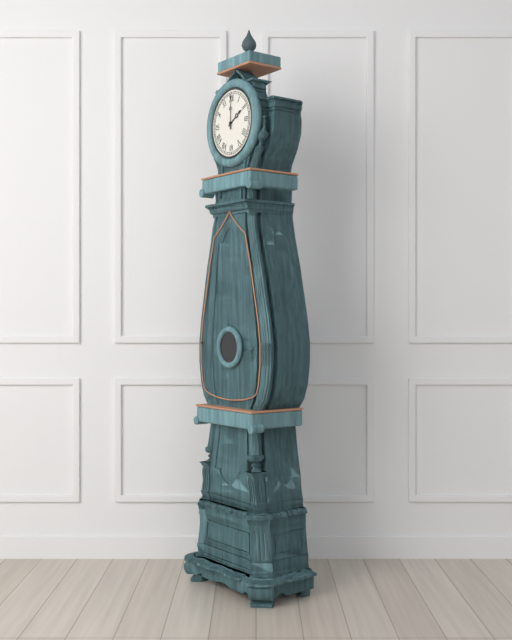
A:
2.00
